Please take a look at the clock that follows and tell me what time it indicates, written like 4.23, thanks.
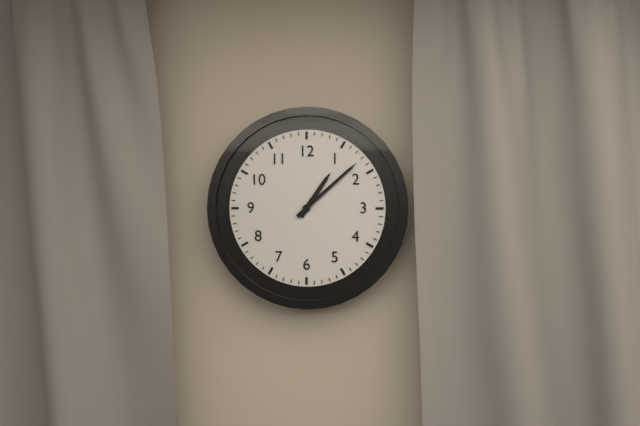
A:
1.08
